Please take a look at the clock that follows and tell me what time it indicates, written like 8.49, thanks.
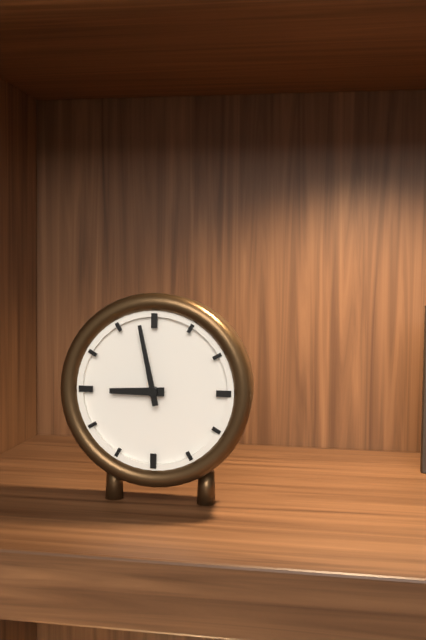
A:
8.58
